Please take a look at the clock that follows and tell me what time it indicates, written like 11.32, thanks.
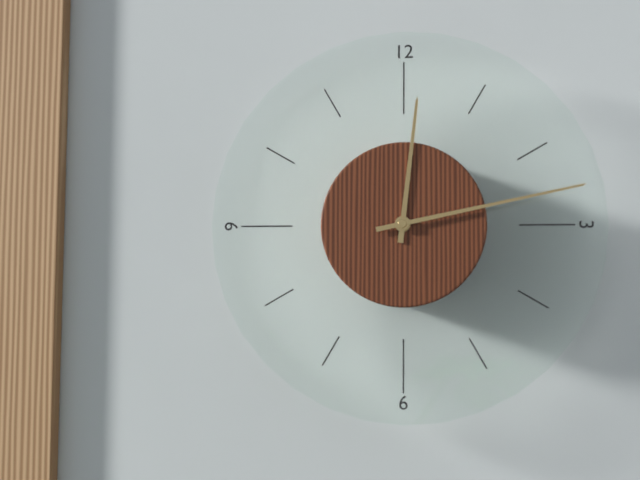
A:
12.13
